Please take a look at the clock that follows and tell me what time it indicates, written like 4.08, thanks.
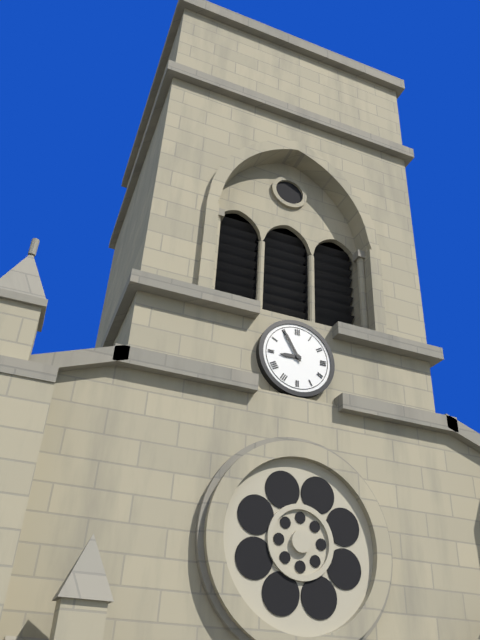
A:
8.55
